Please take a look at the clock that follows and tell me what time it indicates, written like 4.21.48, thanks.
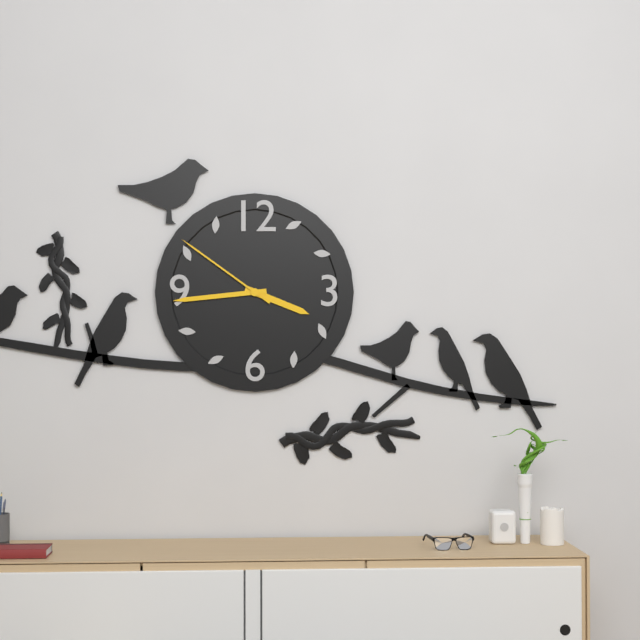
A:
3.44.51
